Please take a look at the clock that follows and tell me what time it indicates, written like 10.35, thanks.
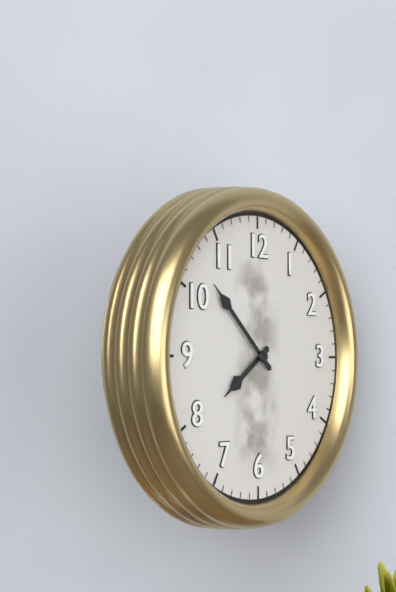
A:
7.52
